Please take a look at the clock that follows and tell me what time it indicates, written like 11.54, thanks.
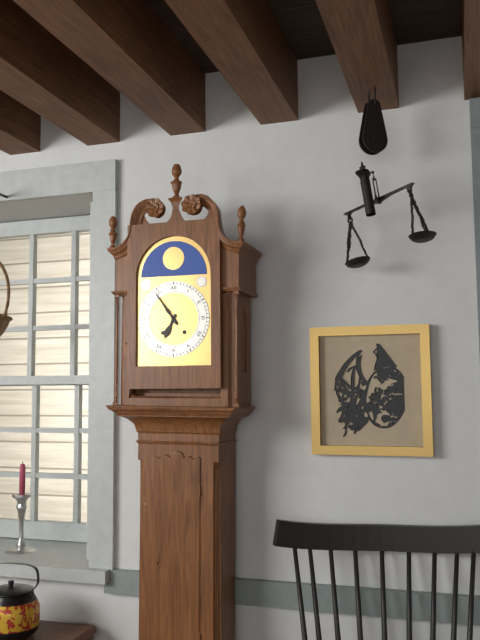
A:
6.54
